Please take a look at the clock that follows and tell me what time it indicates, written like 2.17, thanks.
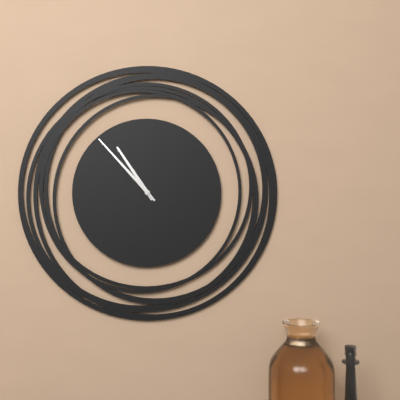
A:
10.53
